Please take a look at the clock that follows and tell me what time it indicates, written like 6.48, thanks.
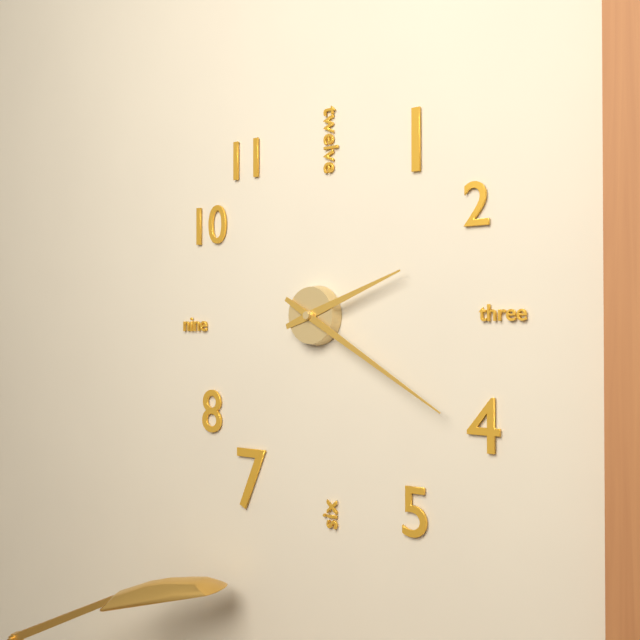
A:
2.20
